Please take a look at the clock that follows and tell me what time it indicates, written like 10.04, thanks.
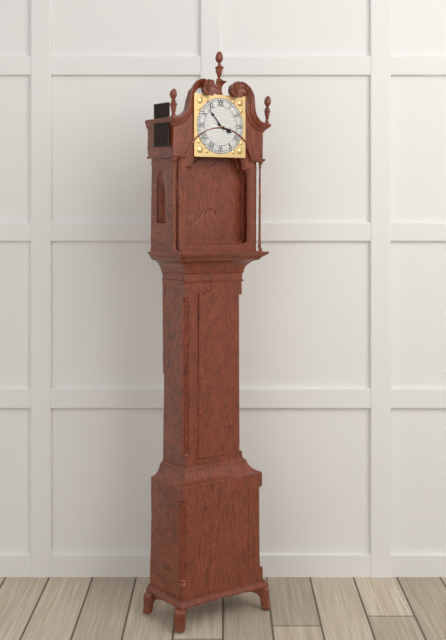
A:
3.53
